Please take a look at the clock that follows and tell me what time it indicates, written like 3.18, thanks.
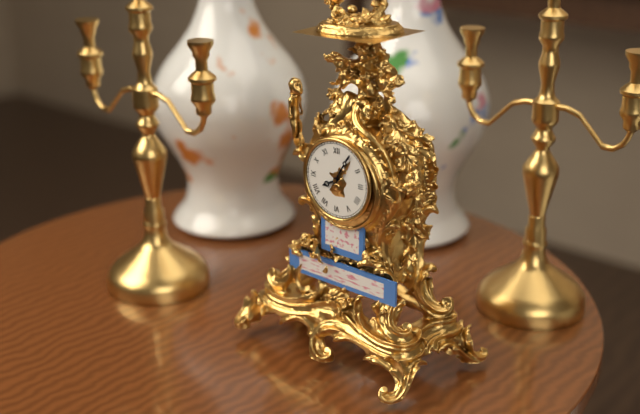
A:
8.05
